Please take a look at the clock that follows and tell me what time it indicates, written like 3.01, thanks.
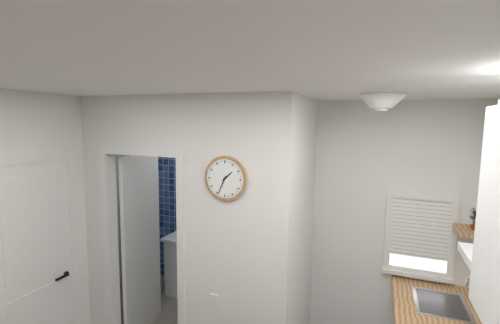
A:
1.34
